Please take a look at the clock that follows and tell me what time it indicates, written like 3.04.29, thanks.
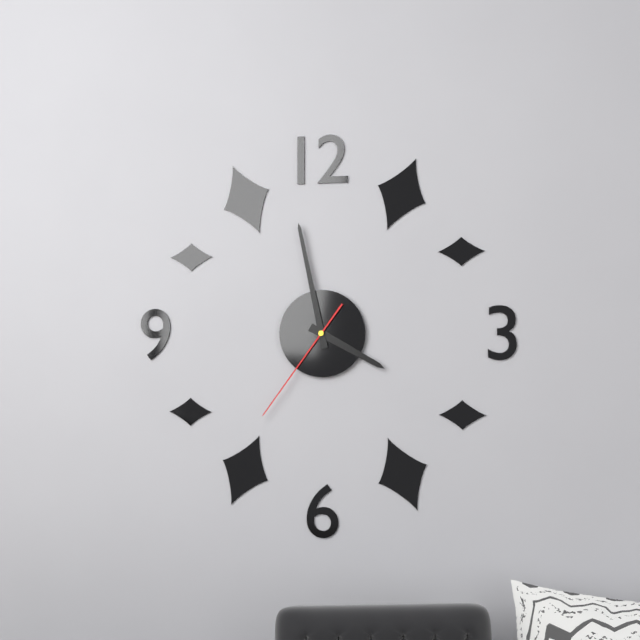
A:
3.58.36
